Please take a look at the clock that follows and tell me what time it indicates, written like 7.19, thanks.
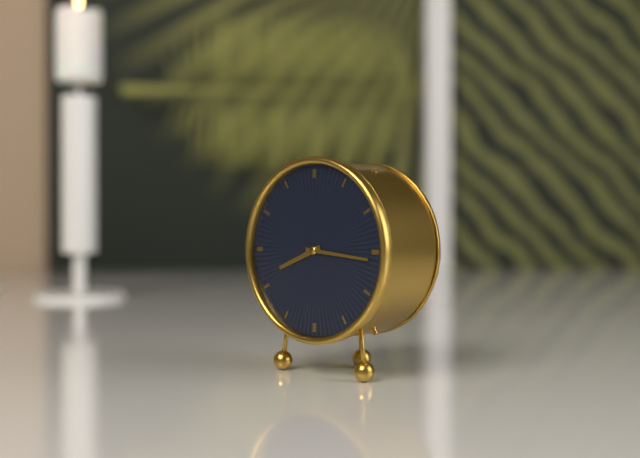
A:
8.16
